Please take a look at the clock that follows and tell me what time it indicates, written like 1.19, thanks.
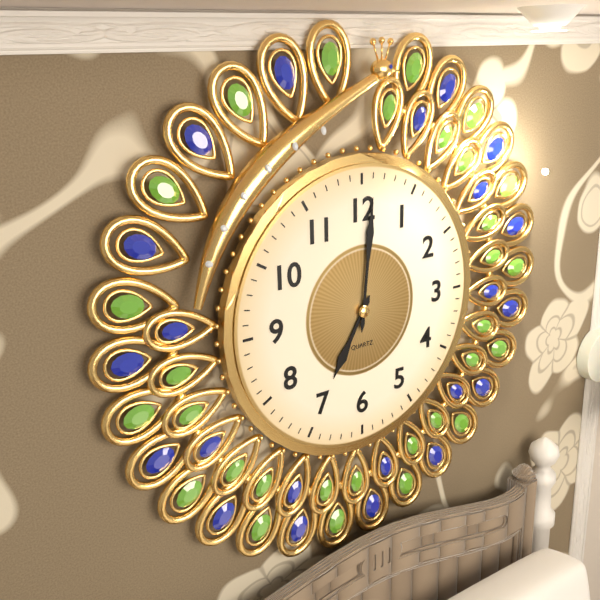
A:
7.01
